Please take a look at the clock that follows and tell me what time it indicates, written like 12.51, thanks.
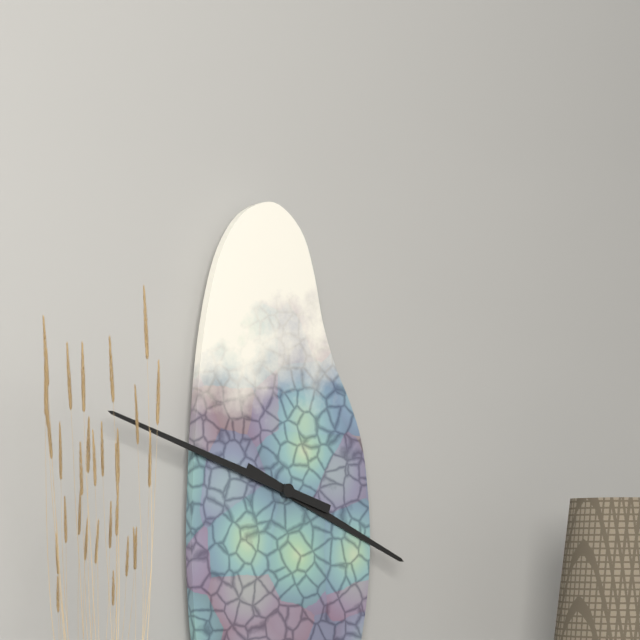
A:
3.48
